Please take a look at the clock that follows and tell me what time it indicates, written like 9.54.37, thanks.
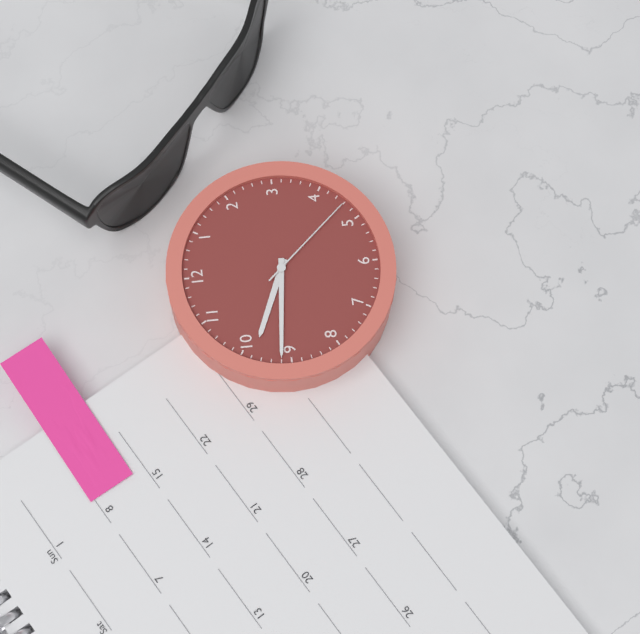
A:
9.46.23
